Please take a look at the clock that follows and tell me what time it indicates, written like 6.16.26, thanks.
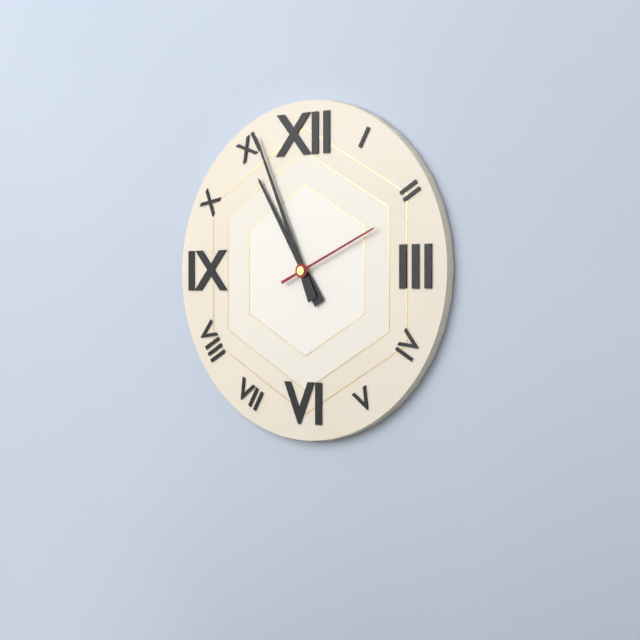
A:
10.56.11
